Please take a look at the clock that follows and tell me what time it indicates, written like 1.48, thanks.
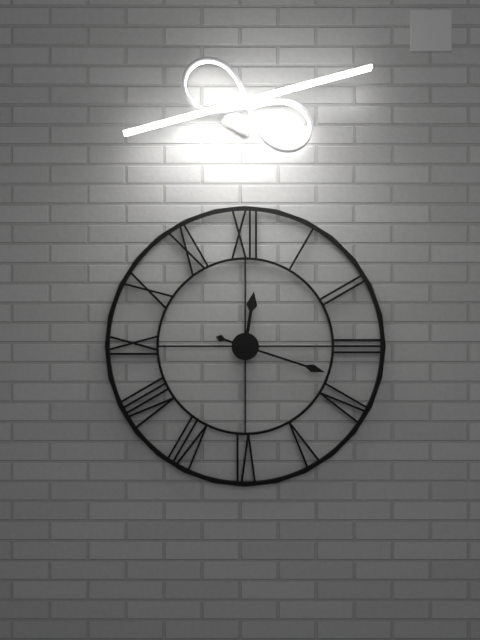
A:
12.18
